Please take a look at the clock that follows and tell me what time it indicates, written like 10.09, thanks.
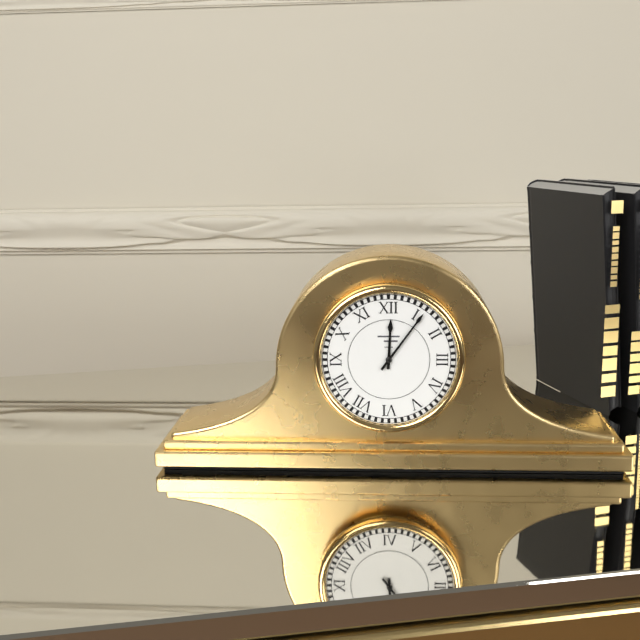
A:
12.06
